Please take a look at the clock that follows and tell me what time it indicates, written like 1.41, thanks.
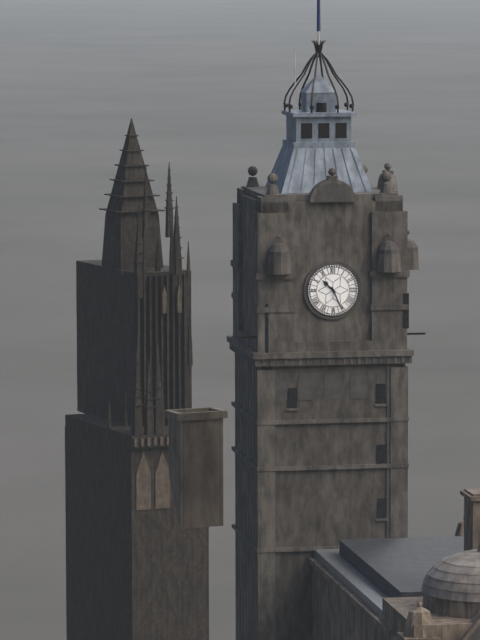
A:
10.26
